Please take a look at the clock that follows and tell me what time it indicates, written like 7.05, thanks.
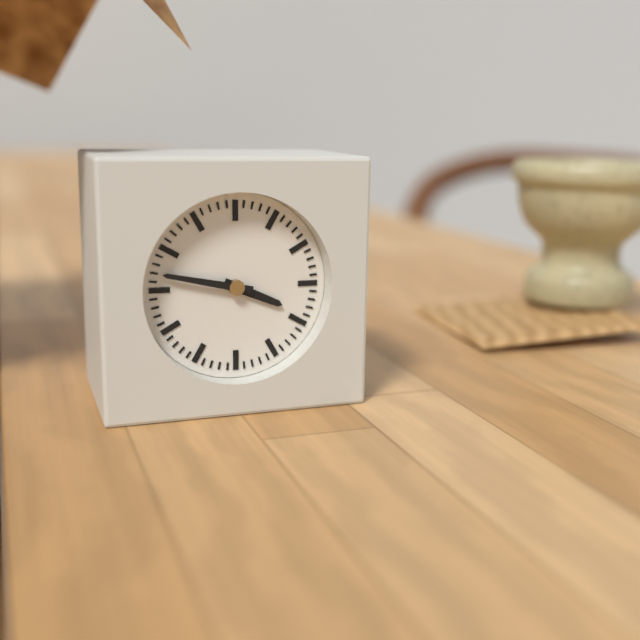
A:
3.47
